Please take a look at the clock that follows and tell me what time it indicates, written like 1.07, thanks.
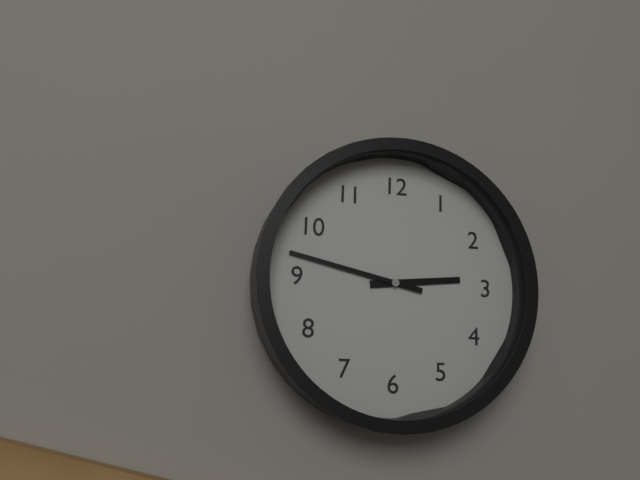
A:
2.47
